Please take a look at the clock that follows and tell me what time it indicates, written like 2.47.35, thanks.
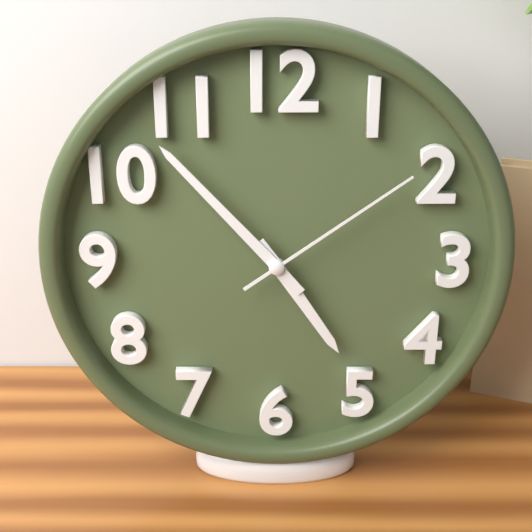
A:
4.53.09
